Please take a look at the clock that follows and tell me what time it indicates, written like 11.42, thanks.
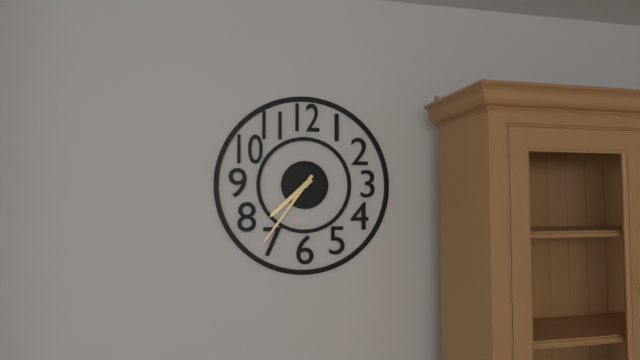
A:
7.36
